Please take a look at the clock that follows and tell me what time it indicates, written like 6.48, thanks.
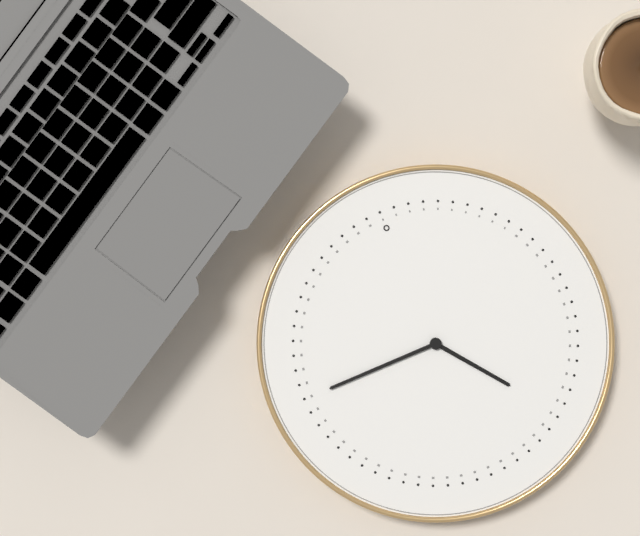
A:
4.45
